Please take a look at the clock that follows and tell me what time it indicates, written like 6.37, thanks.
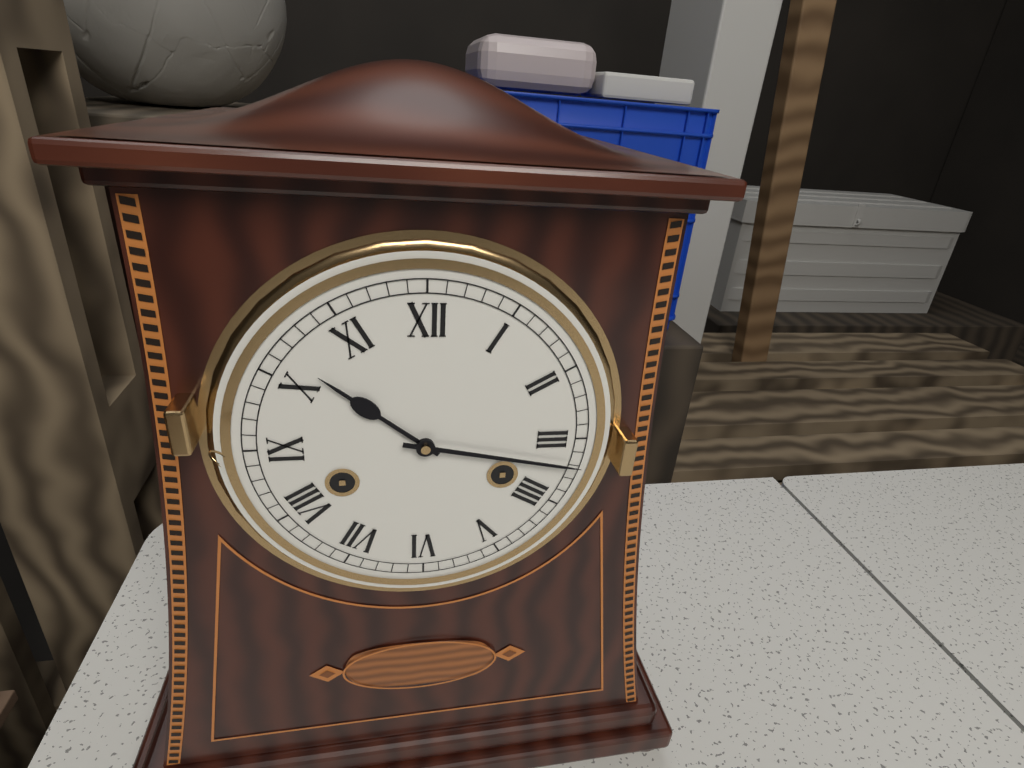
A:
10.17
